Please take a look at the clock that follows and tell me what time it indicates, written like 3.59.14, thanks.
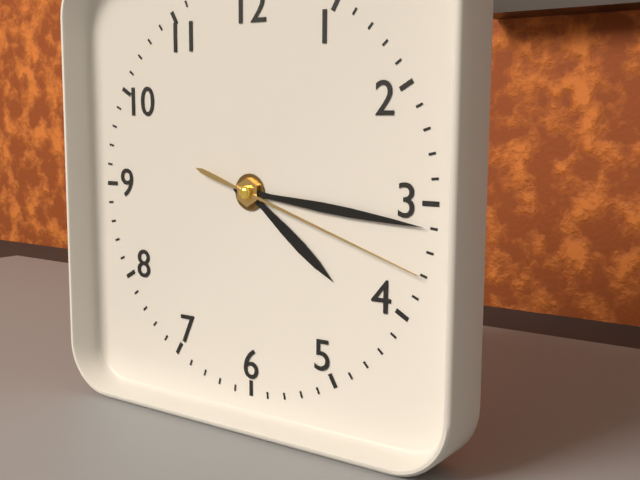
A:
4.16.18
